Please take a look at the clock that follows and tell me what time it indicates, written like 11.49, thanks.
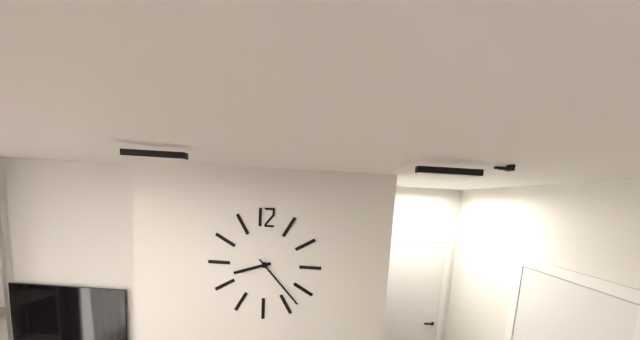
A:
8.23
